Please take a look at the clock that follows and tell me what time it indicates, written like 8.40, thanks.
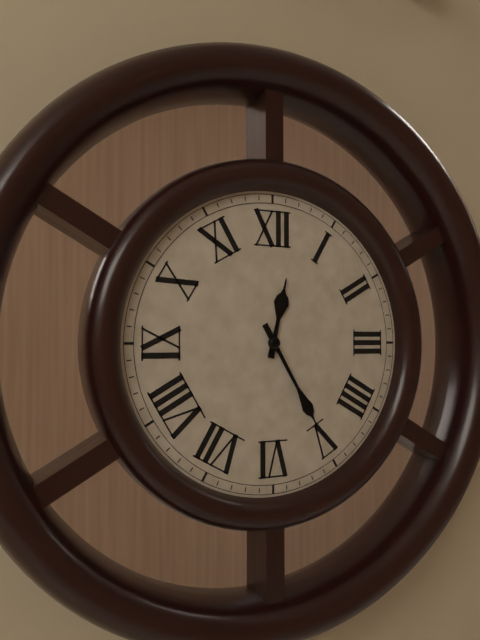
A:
12.25
